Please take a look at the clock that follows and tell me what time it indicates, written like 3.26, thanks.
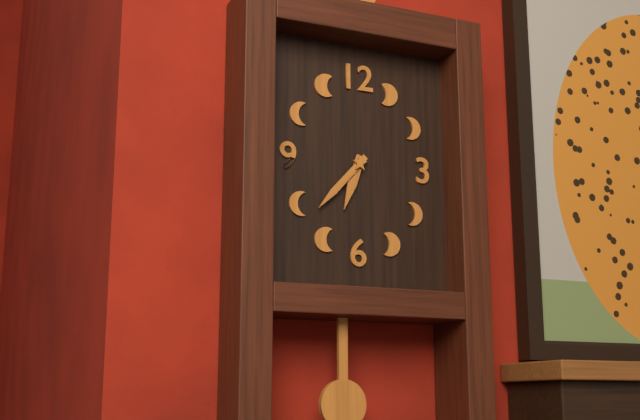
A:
6.37
